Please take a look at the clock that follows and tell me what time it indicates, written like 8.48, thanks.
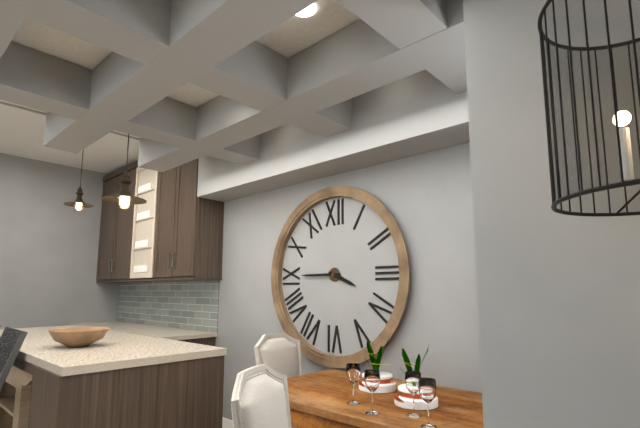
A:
3.45
